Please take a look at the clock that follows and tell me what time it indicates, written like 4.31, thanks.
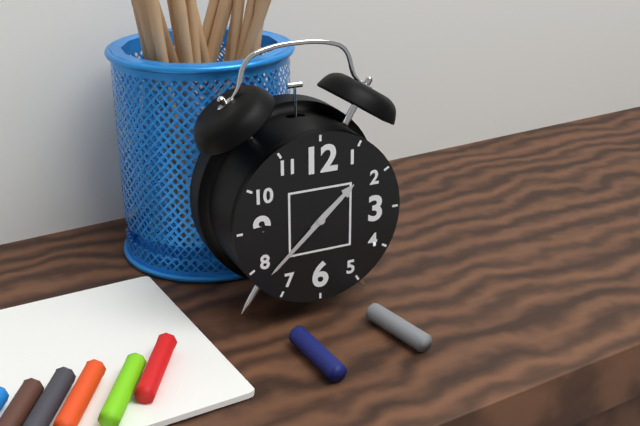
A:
1.38
